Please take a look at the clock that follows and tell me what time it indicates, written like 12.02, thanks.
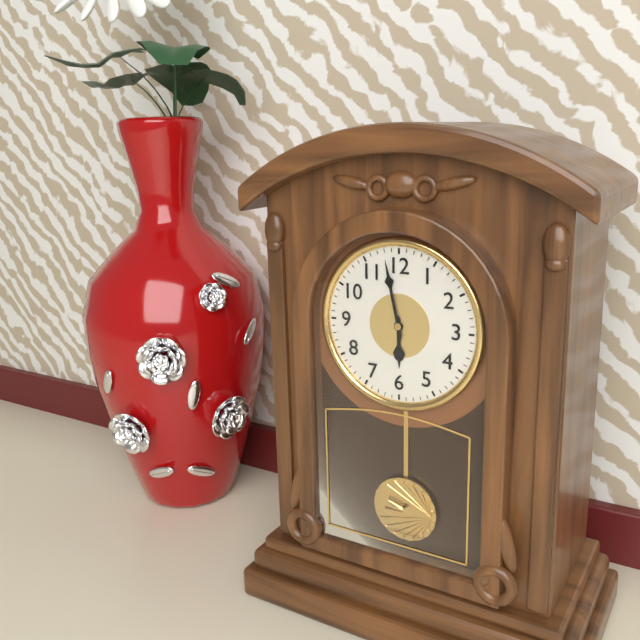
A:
5.58
